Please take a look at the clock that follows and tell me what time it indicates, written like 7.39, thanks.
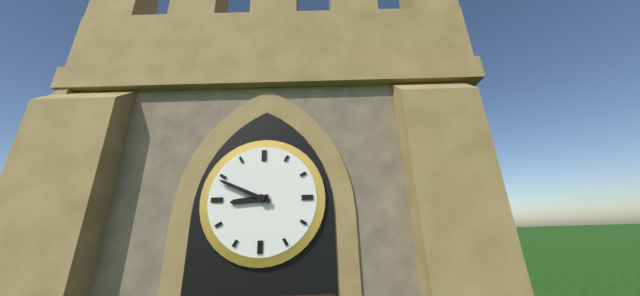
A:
8.49
